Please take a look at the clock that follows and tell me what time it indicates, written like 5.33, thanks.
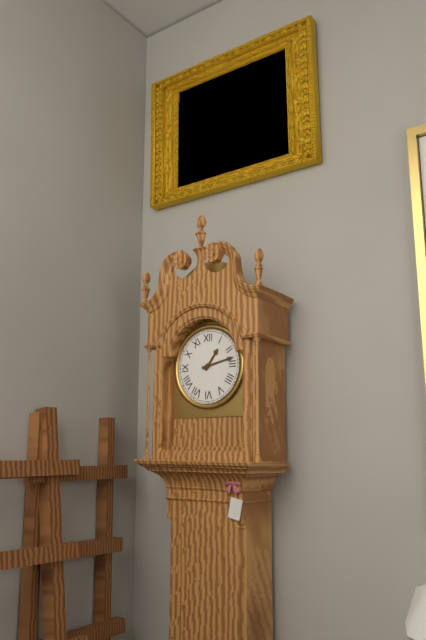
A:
1.13
